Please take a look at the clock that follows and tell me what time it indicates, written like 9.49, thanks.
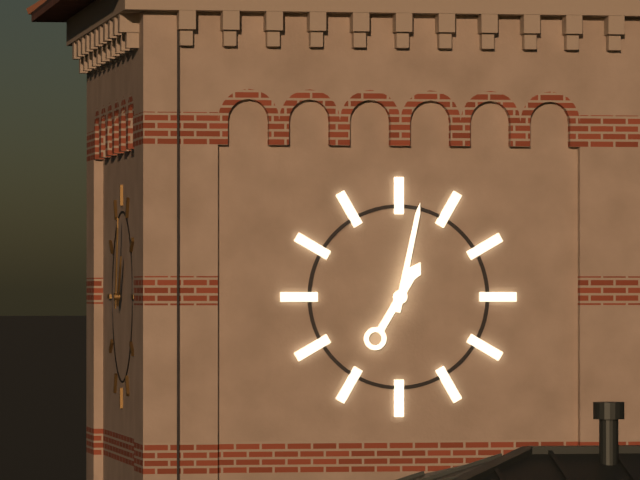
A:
1.02
